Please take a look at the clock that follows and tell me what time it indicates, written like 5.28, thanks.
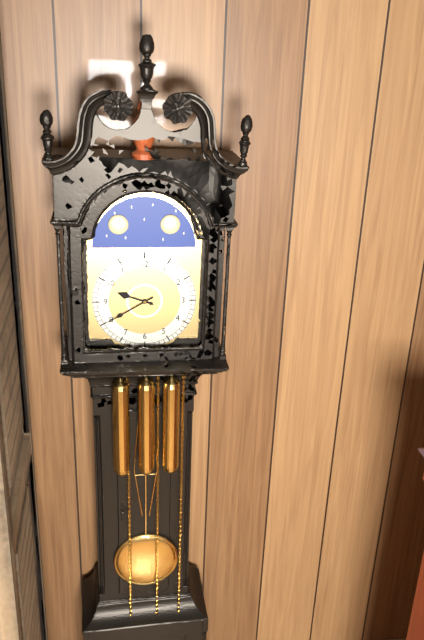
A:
9.40
